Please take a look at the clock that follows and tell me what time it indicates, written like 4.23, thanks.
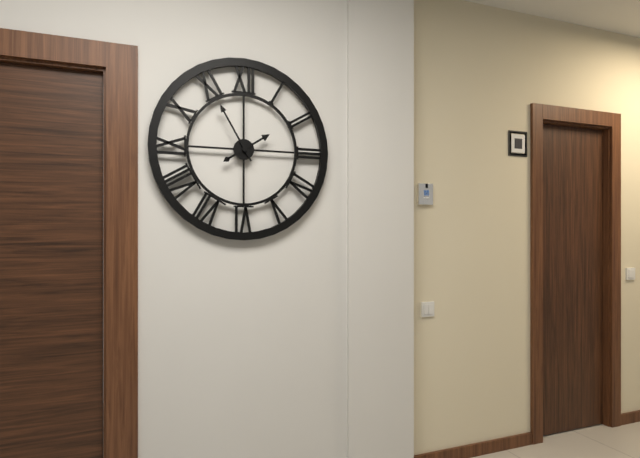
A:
1.55
